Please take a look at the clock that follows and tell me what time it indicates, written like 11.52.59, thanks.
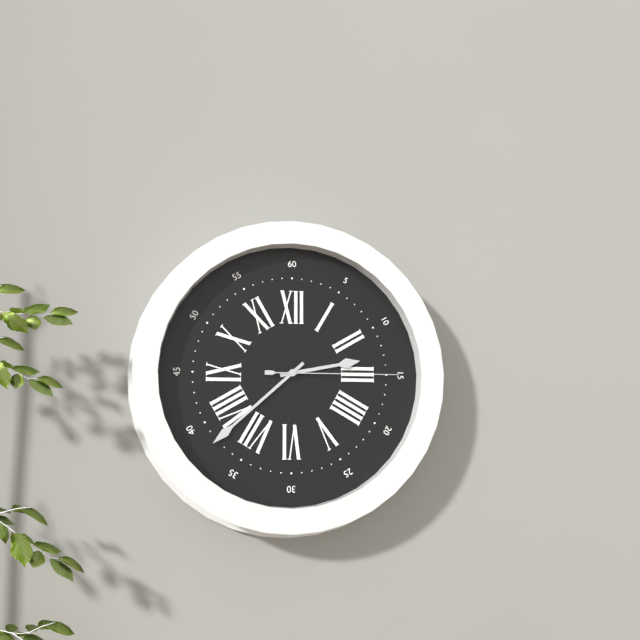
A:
2.38.15
